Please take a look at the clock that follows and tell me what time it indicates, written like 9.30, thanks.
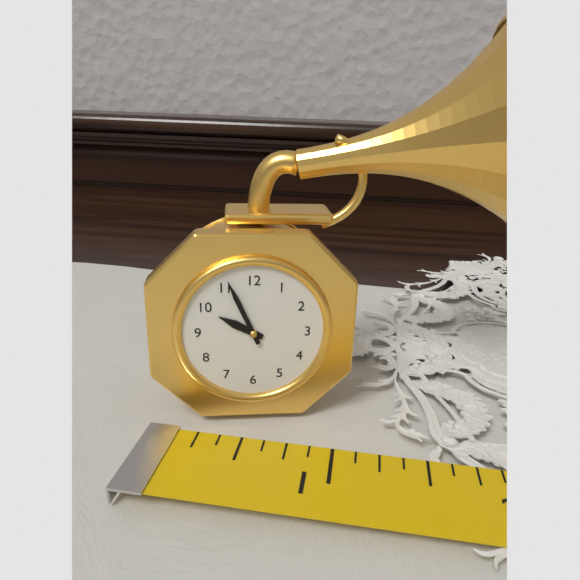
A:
9.56
